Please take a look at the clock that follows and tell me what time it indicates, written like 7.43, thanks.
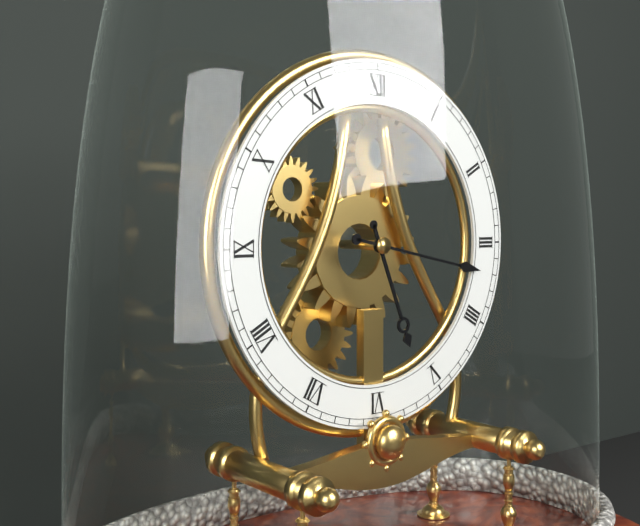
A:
5.17
